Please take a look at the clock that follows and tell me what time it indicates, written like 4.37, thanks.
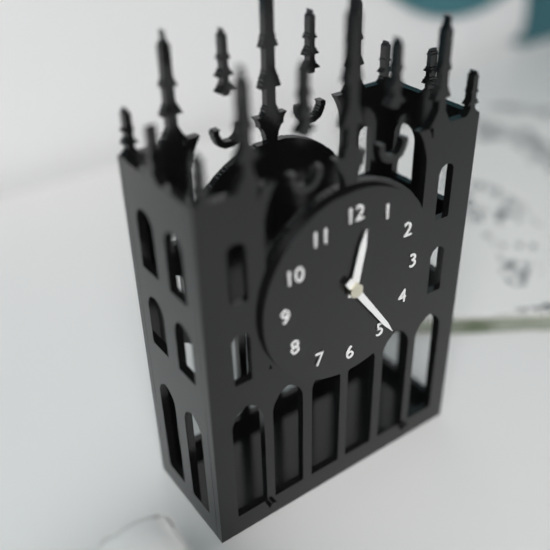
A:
12.24
